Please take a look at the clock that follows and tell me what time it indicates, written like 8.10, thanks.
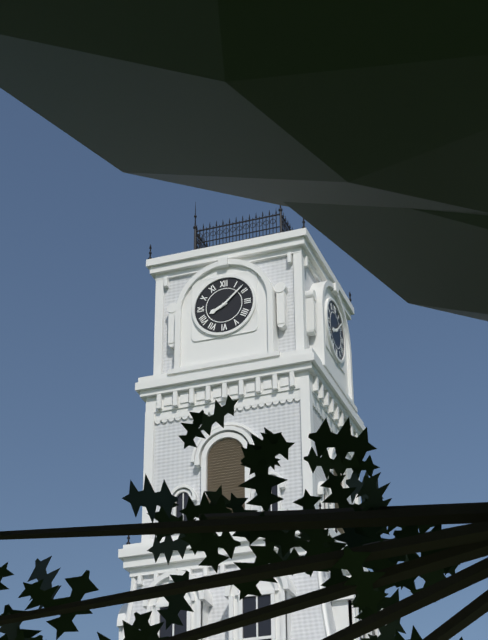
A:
8.08
